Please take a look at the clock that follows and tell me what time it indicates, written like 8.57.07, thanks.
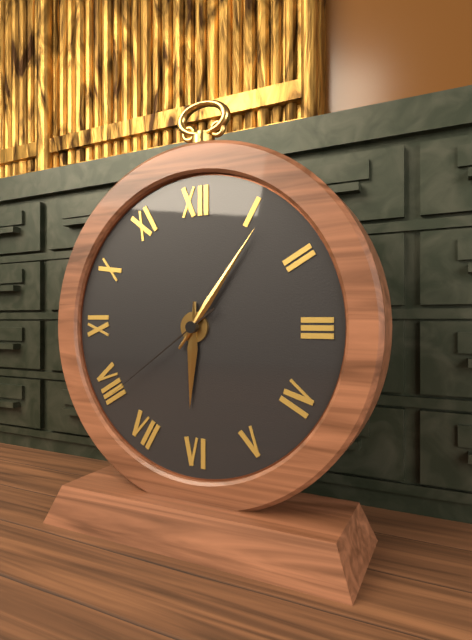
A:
6.06.39
